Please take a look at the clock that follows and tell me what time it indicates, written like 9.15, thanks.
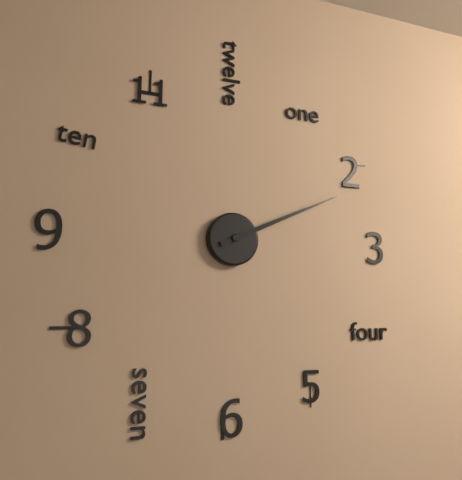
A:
2.11
